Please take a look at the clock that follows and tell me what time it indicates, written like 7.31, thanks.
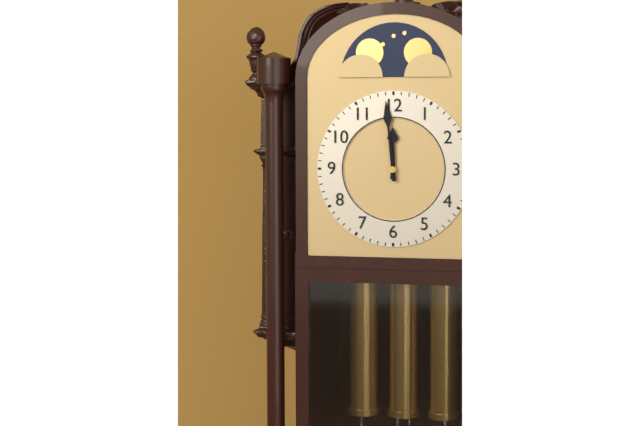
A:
11.59
